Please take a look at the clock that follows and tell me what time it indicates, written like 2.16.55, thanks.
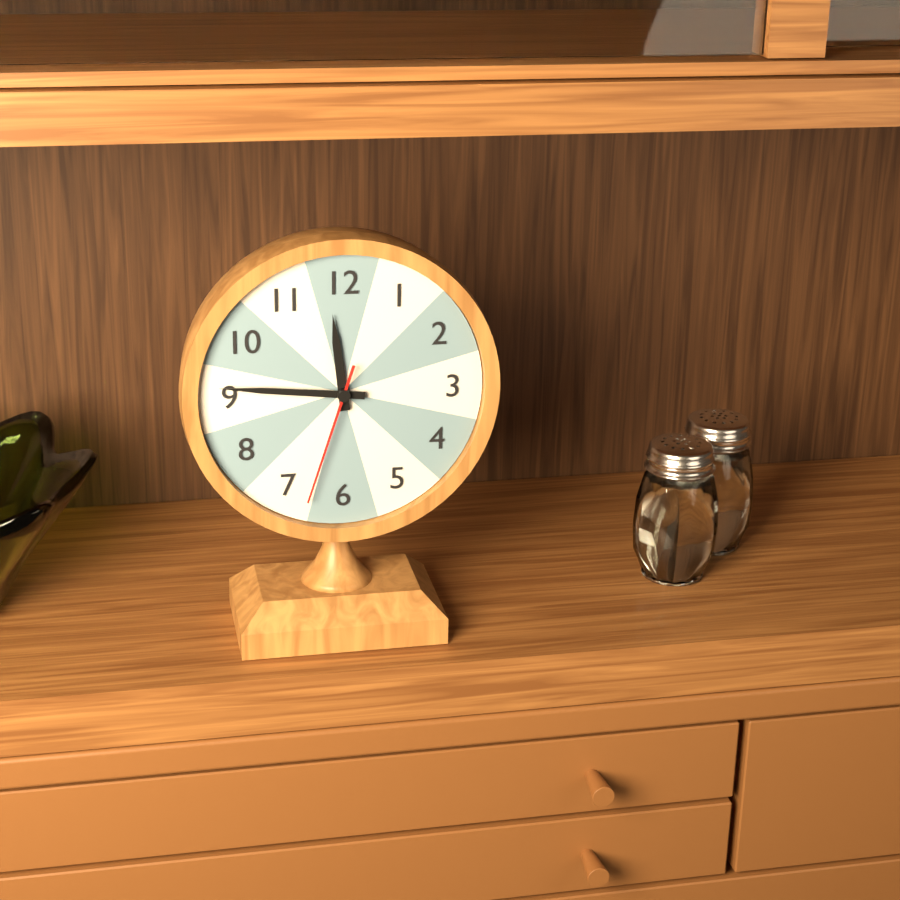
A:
11.46.33
